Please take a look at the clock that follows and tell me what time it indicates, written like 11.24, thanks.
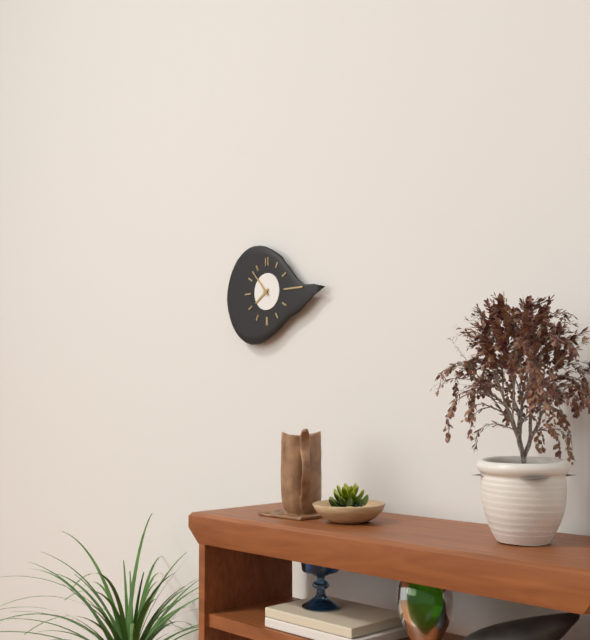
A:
7.53
